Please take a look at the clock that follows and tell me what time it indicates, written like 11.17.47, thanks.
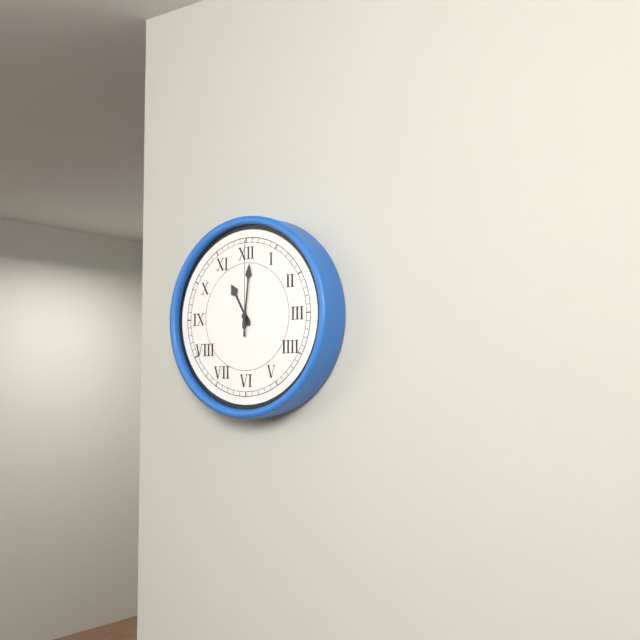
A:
11.01.00
